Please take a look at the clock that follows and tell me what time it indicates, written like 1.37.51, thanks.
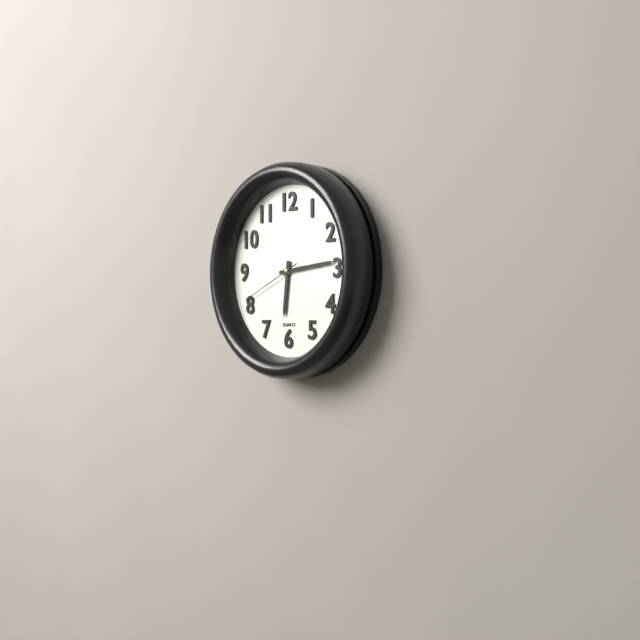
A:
6.14.41
